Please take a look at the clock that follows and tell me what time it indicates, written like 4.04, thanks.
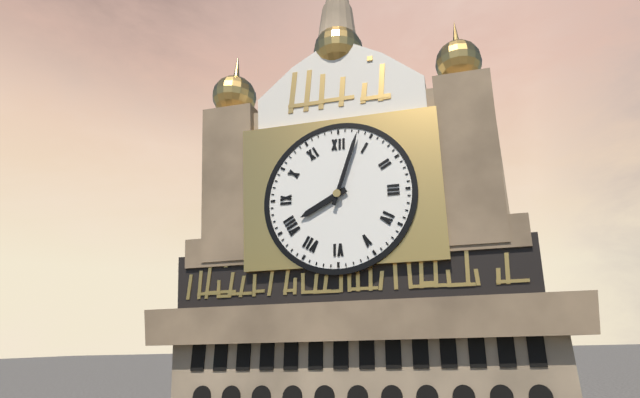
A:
8.03
